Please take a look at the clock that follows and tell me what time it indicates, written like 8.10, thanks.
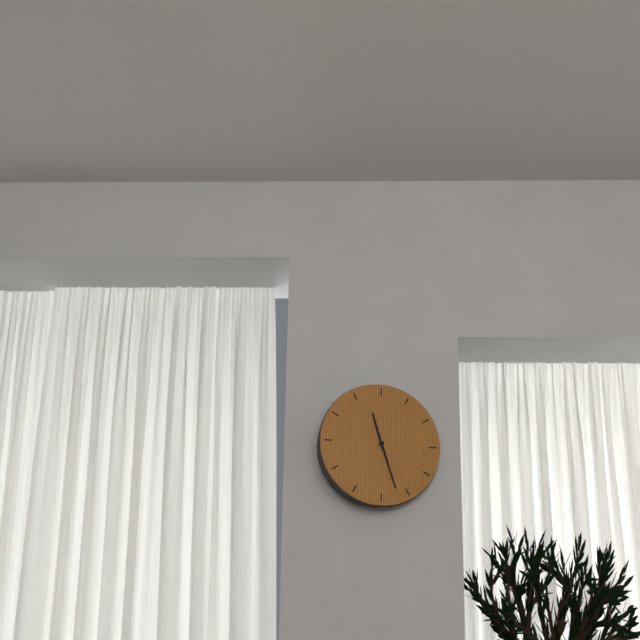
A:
11.27
